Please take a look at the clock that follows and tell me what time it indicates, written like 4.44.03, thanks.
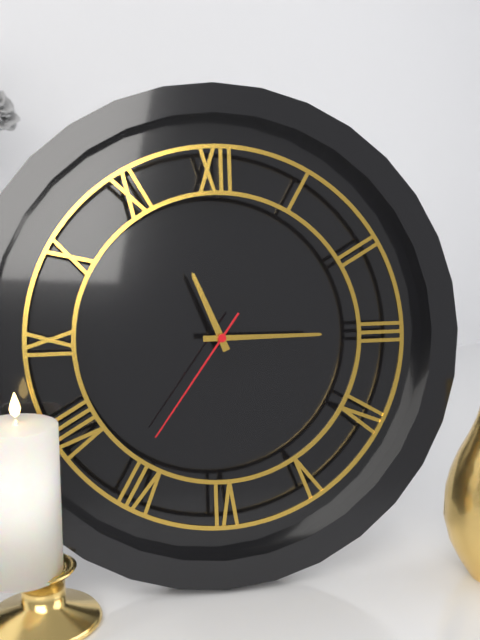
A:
11.15.36
